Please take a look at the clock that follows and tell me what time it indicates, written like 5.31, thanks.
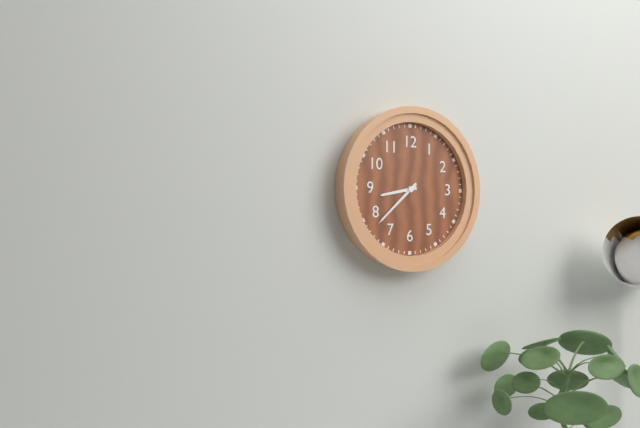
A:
8.38
